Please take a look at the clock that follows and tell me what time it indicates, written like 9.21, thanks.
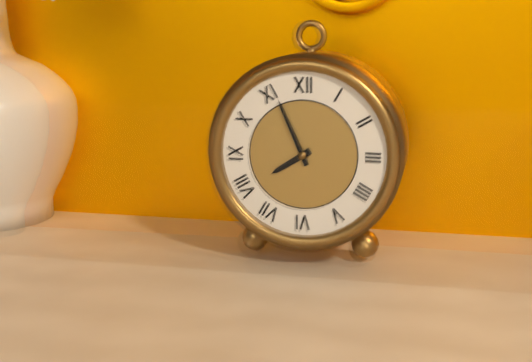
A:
7.56
